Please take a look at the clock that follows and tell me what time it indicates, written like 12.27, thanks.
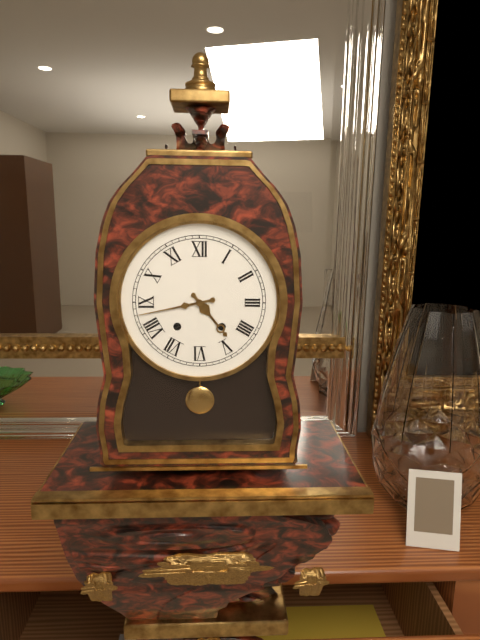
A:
4.43
